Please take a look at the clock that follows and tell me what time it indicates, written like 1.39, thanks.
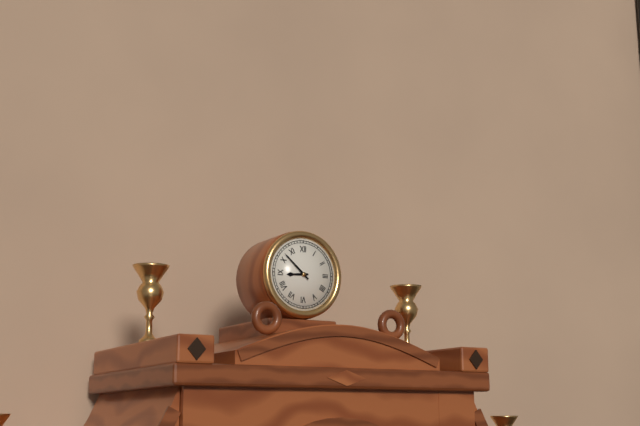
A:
8.52
